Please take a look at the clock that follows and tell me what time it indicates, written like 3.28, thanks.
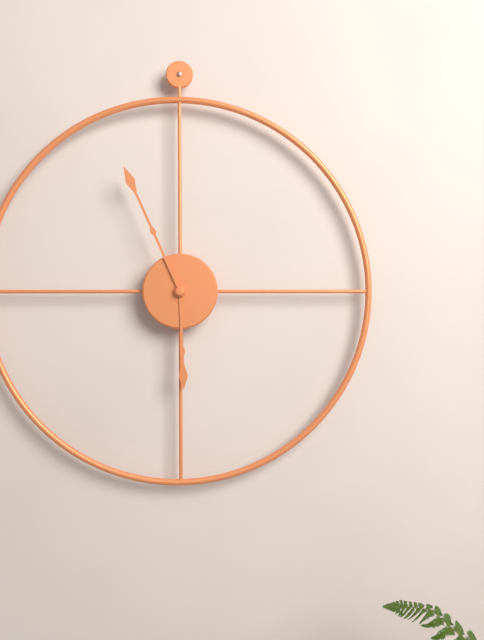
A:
5.56
